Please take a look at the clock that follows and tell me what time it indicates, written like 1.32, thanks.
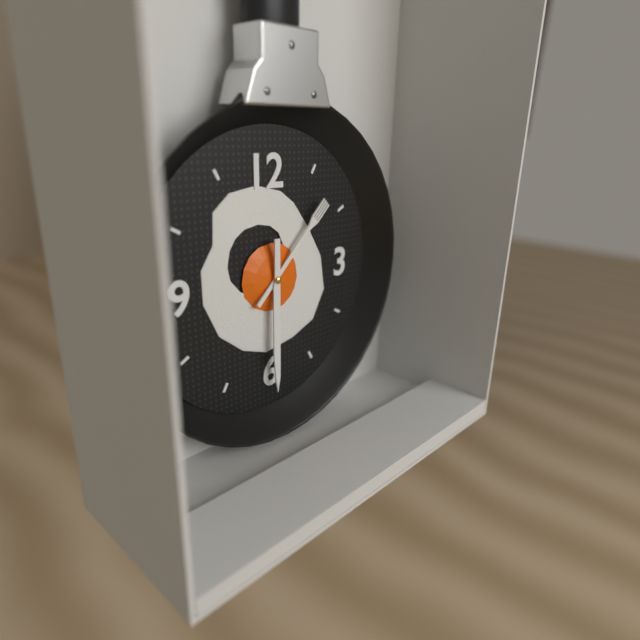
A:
1.30
